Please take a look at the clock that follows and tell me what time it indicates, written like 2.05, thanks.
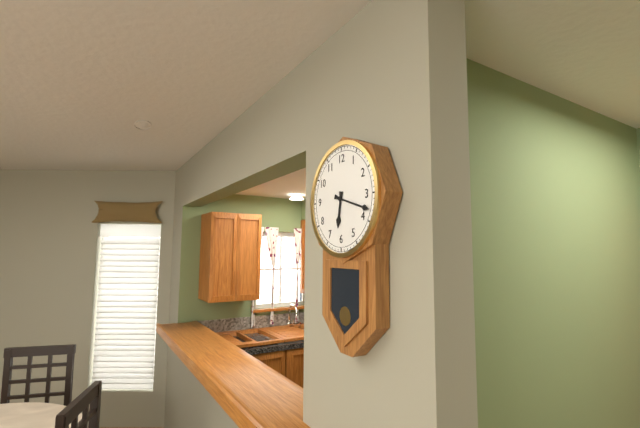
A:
6.18
